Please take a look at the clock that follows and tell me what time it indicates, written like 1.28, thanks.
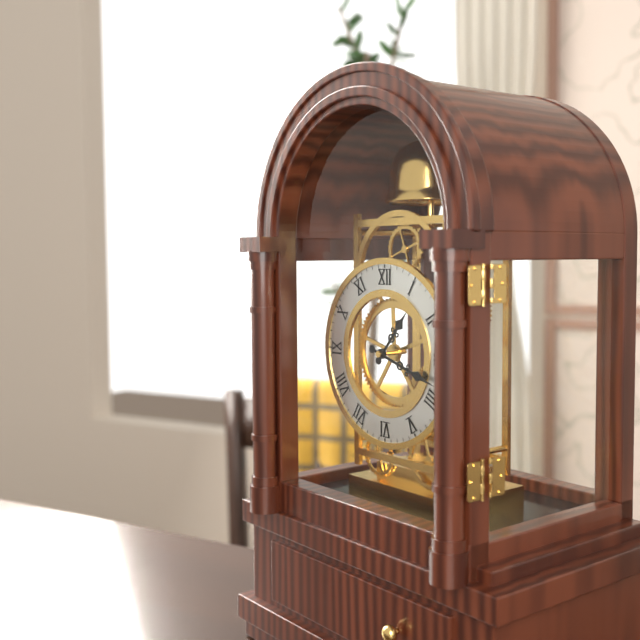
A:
1.18
